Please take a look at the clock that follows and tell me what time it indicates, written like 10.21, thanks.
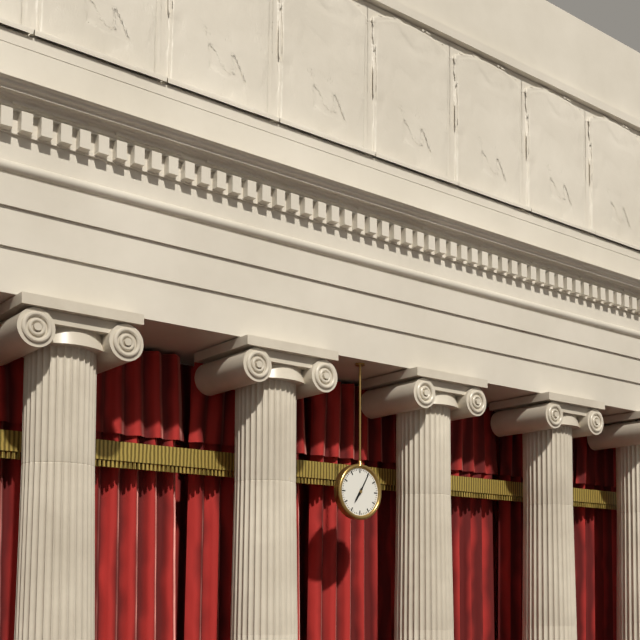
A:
7.05
